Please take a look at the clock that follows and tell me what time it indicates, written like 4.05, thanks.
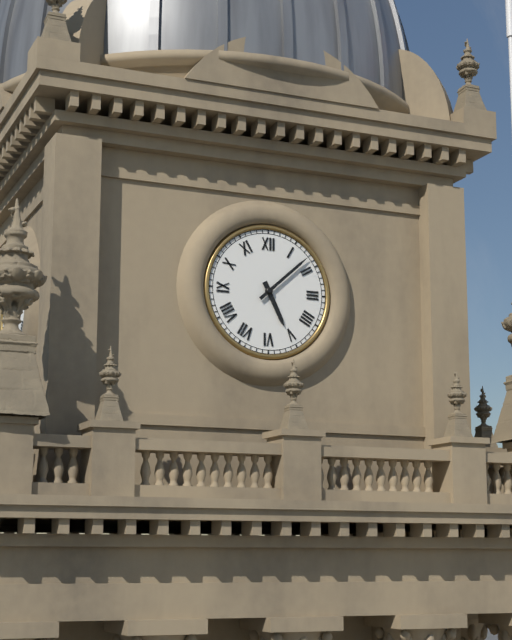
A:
5.08
